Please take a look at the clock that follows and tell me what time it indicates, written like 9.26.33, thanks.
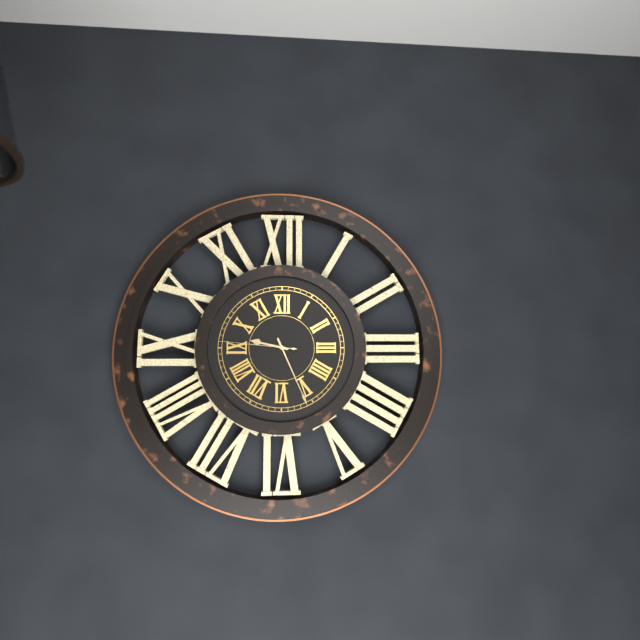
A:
9.26.46
